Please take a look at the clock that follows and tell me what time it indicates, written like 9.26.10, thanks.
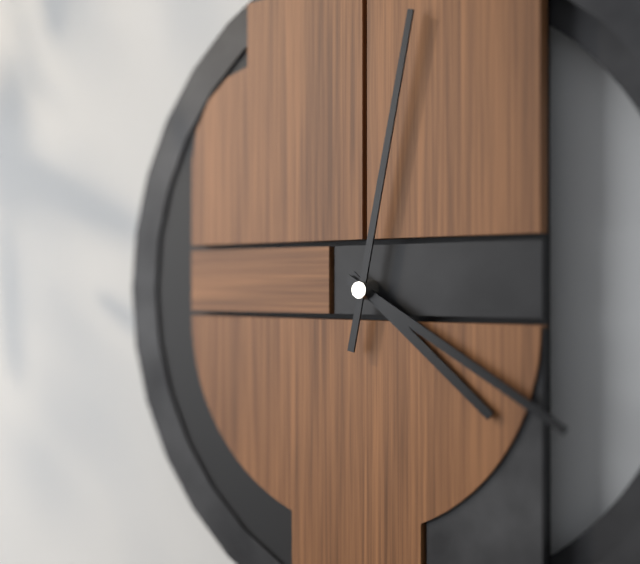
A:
4.20.02
